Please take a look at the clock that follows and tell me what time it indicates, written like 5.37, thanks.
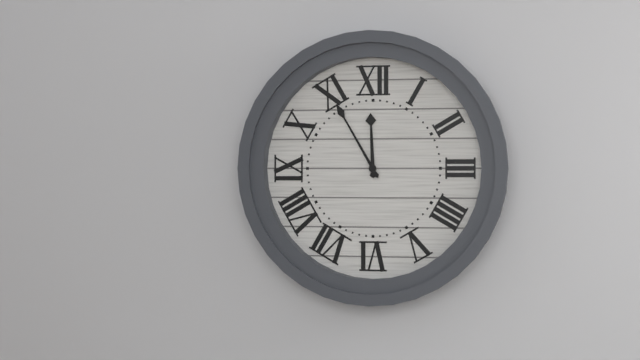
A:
11.55
